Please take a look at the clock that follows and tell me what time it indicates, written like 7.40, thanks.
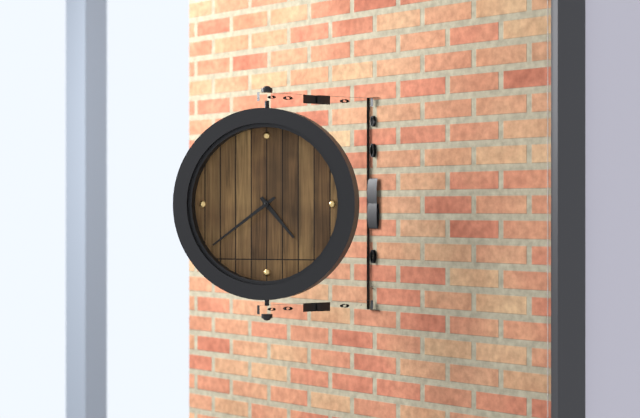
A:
4.39
